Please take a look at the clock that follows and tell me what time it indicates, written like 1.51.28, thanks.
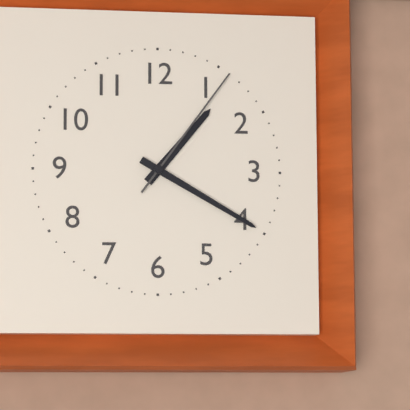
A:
1.20.06
